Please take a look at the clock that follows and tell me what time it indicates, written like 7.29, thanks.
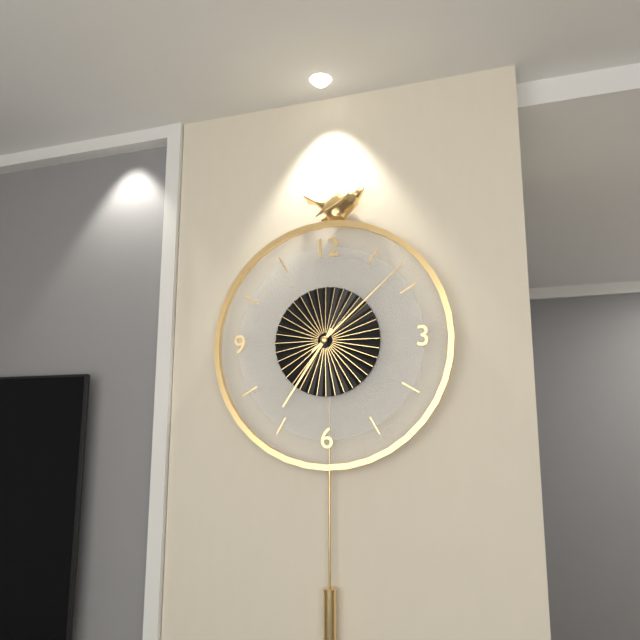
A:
7.08
